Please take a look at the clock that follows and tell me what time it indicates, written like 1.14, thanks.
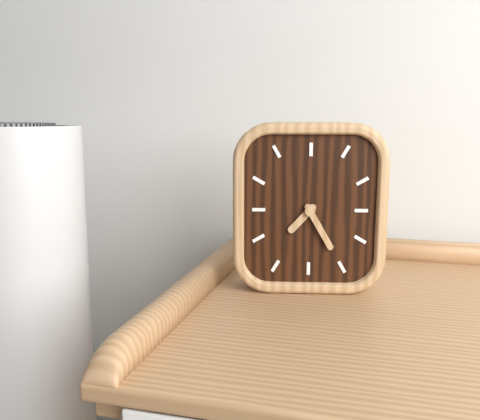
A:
7.25
